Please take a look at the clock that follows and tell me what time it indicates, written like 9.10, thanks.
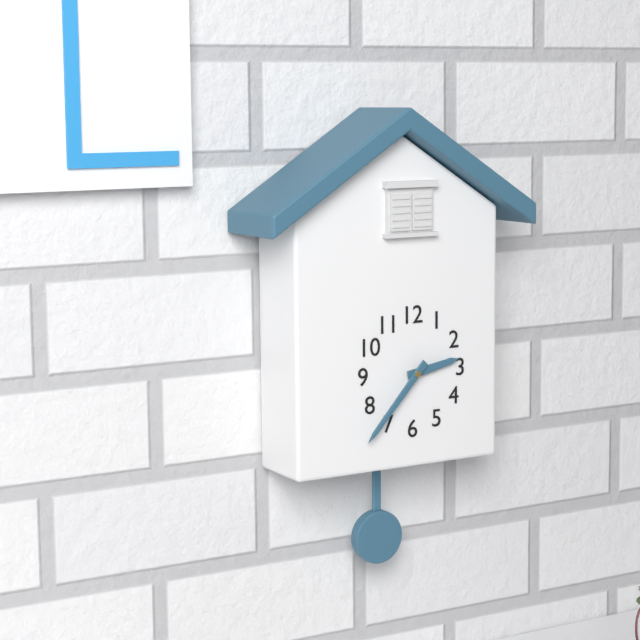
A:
2.37
